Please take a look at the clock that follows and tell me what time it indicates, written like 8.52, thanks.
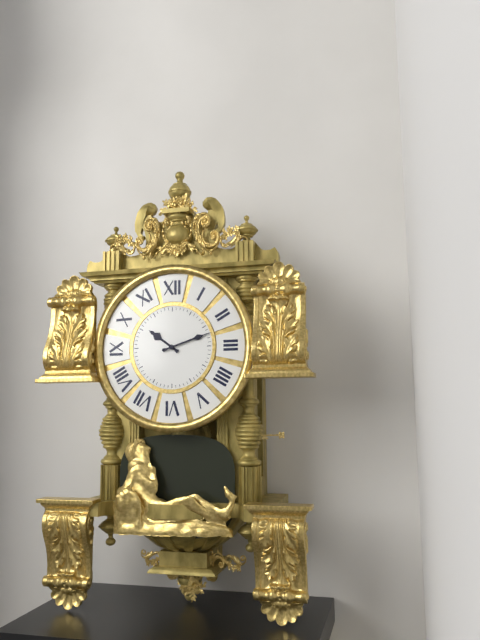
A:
10.12
